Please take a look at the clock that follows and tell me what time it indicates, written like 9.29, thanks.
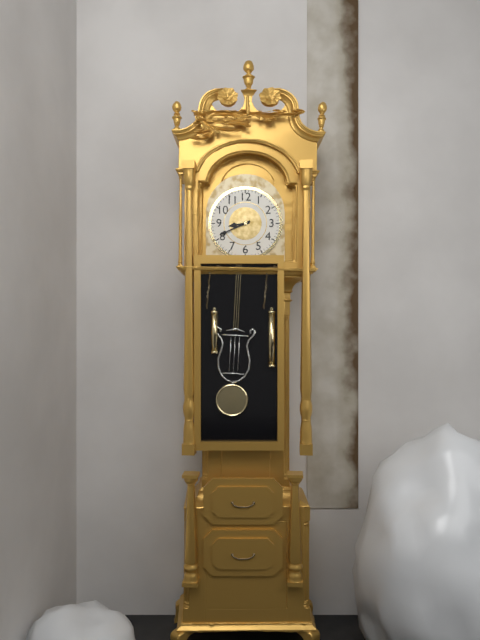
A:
8.41
